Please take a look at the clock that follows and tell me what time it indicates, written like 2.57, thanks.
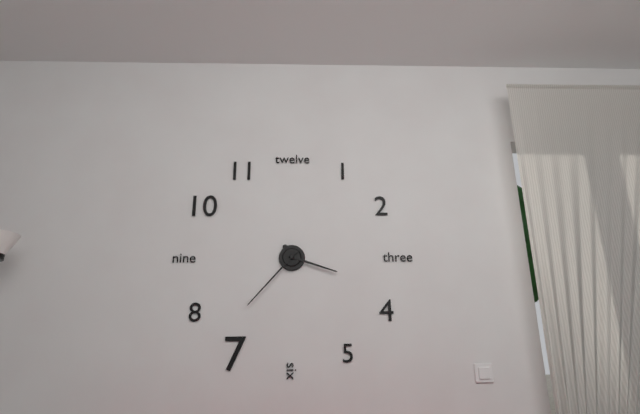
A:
3.37
